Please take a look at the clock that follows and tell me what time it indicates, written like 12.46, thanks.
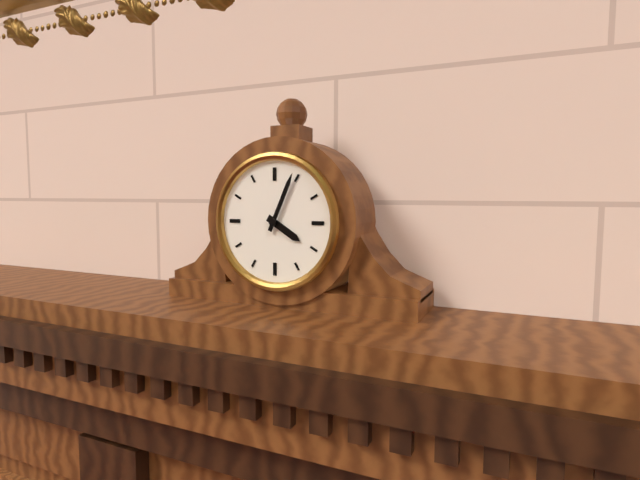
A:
4.04
